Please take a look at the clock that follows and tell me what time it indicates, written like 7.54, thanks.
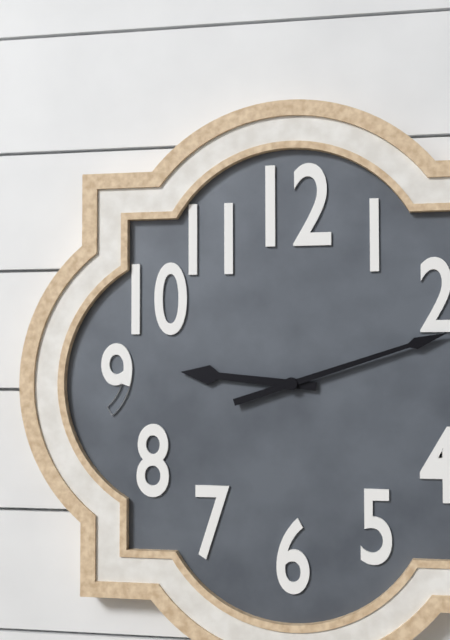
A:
9.12
